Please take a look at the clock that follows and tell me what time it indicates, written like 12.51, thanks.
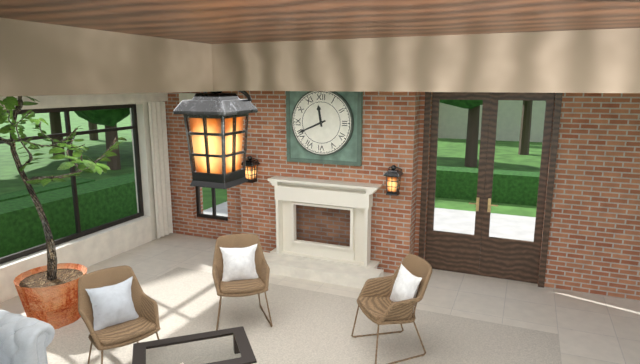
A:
11.41
